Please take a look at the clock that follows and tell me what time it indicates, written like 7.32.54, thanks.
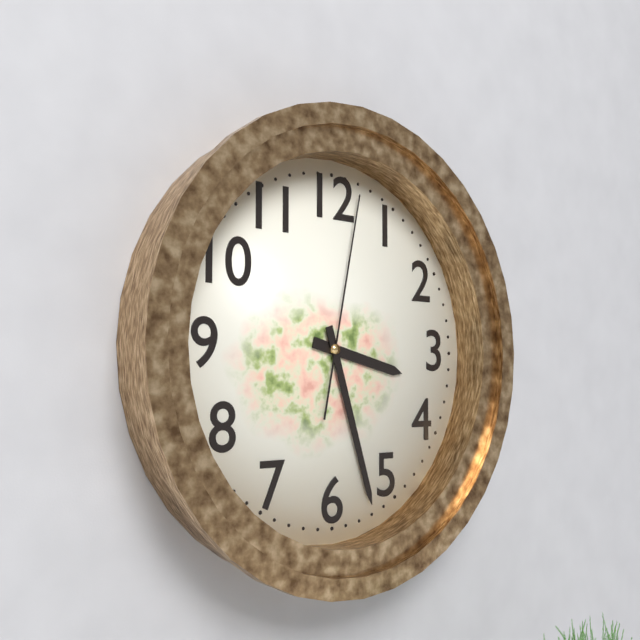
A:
3.27.02
